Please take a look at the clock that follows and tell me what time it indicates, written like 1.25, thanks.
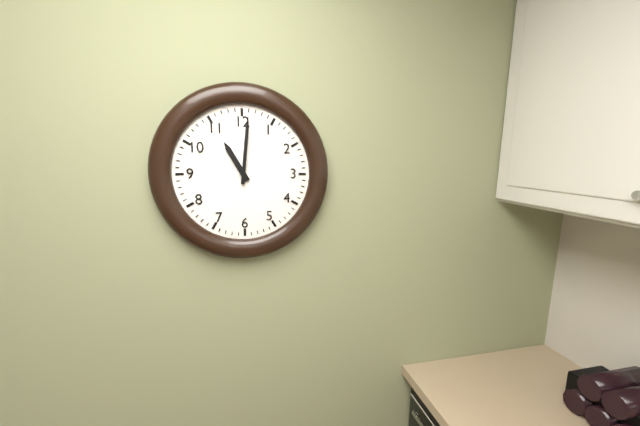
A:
11.01
